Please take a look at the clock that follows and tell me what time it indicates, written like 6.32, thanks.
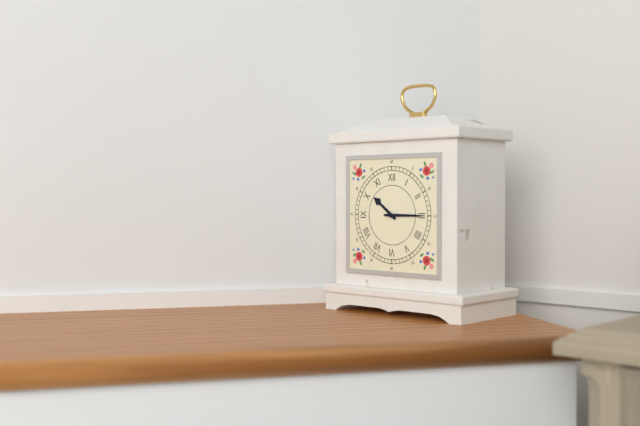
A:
10.15
